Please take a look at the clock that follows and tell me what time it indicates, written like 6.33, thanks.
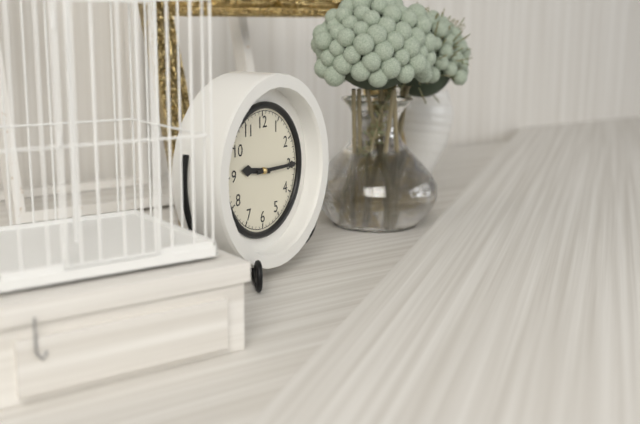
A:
9.15
